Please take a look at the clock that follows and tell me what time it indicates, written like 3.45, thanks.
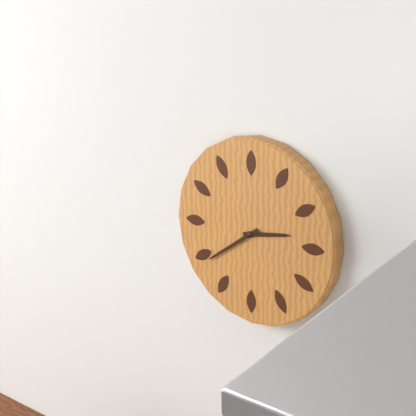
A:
2.39
